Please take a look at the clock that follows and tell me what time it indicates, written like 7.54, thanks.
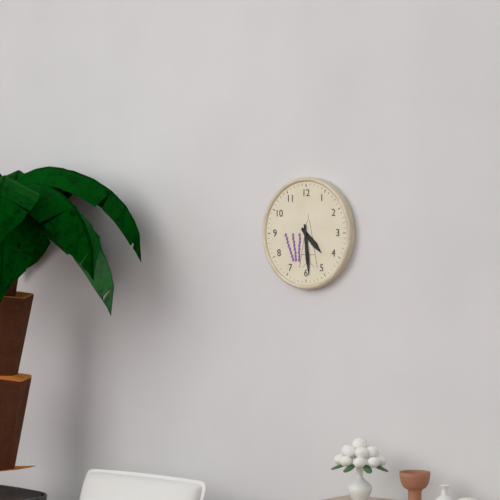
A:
4.29
